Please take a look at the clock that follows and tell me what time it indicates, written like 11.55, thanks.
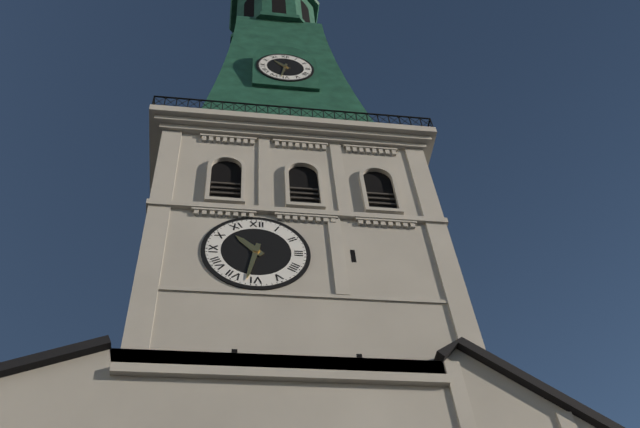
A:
10.32
